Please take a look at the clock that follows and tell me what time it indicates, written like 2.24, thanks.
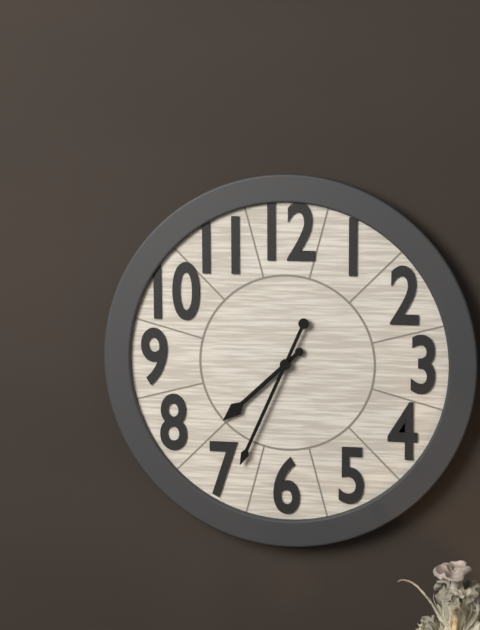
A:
7.34
